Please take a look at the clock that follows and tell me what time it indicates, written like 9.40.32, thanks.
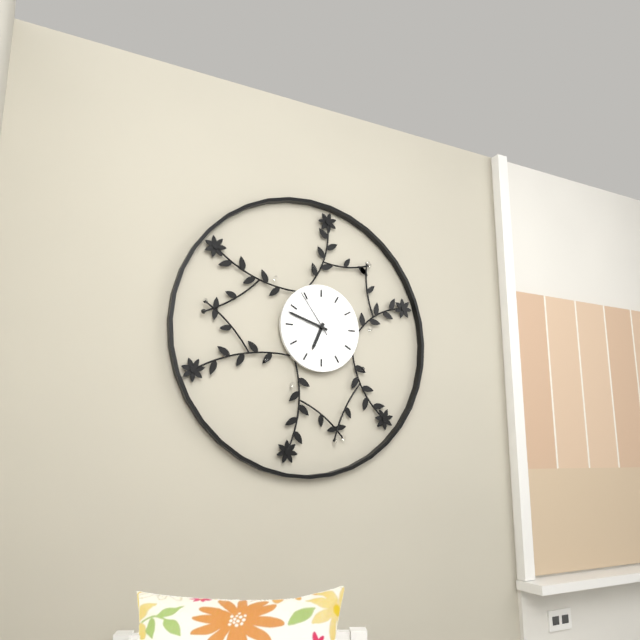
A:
6.48.54
